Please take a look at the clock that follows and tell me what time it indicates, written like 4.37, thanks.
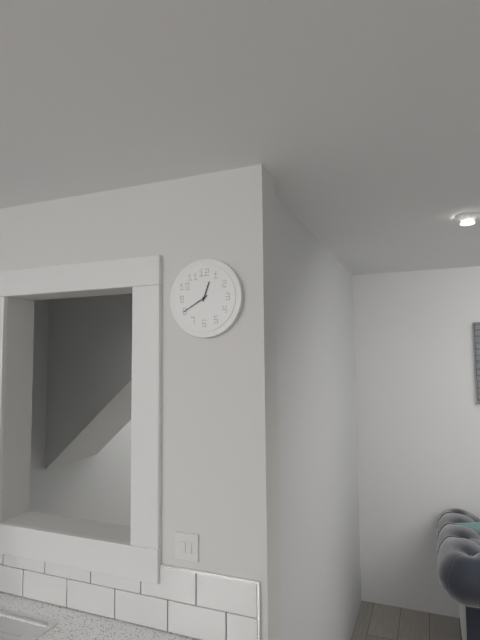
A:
12.40
